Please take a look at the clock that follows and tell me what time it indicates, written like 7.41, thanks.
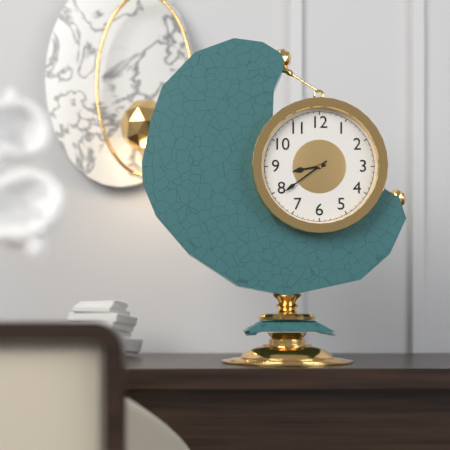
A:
8.39
